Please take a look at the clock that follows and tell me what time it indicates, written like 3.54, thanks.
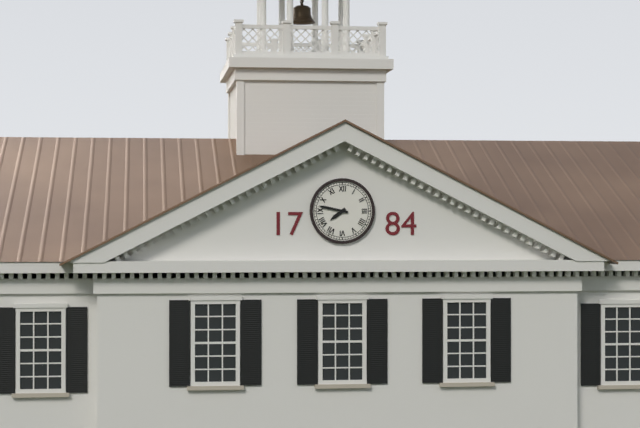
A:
7.47
